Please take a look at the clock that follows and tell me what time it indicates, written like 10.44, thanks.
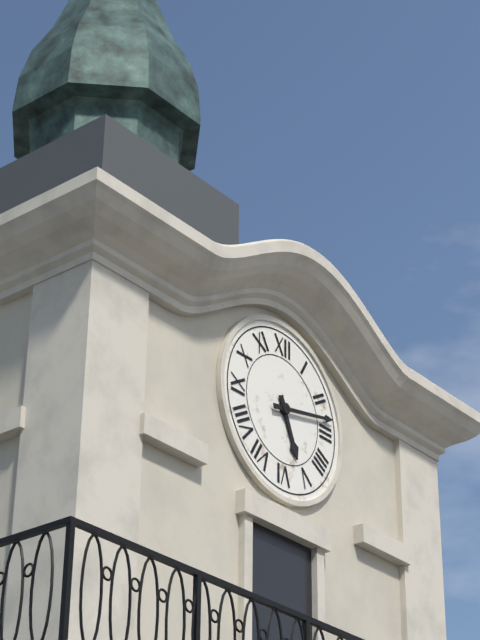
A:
5.13
